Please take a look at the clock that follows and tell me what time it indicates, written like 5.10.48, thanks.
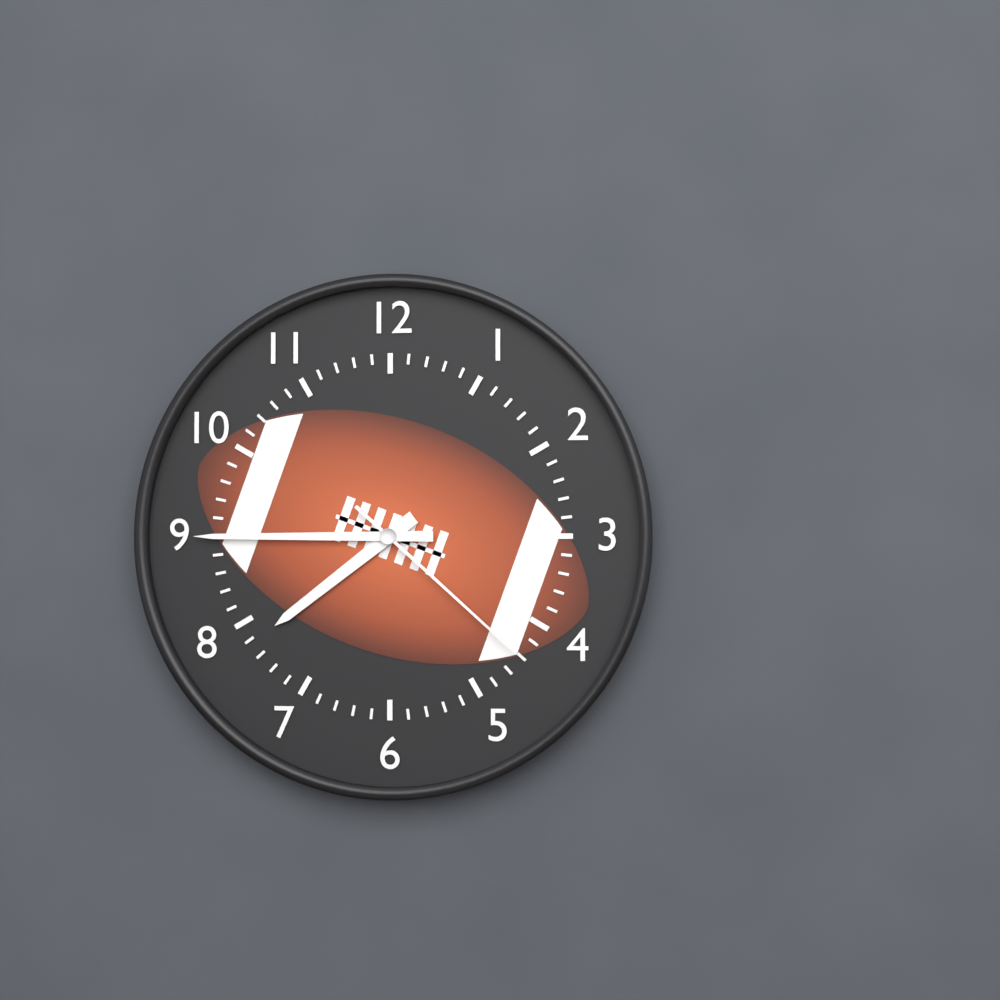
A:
7.45.22
